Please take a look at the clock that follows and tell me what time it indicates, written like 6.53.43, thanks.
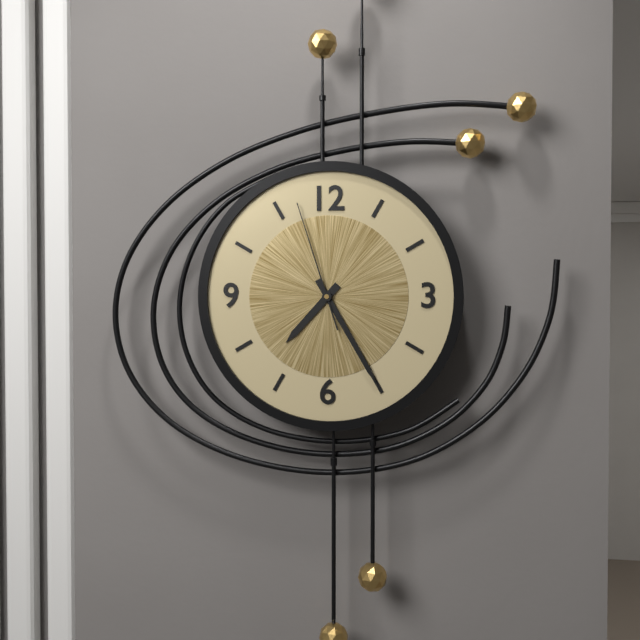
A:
7.25.57
